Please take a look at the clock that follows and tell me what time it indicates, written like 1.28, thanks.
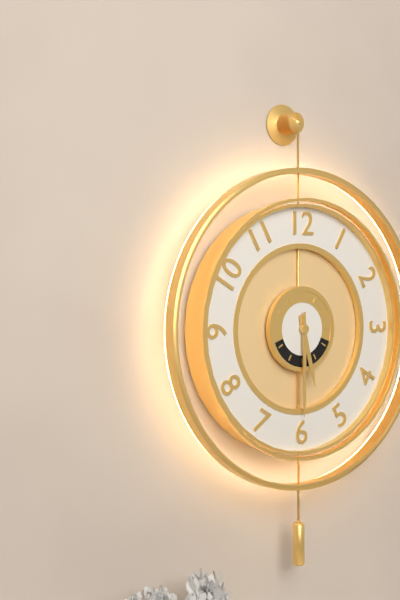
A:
5.30
